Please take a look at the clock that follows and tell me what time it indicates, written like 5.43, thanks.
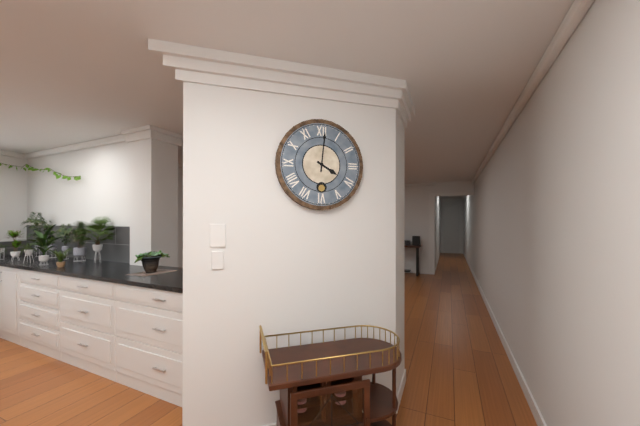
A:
4.01
